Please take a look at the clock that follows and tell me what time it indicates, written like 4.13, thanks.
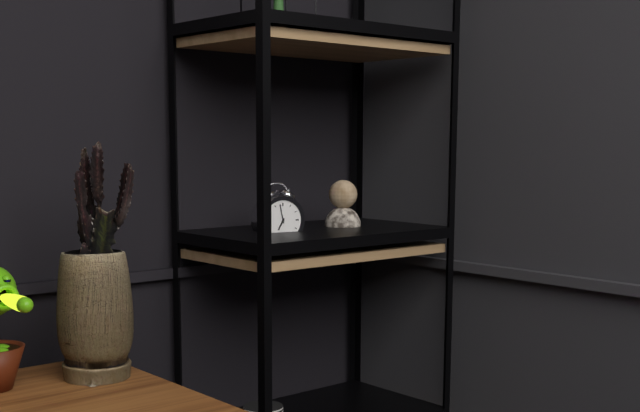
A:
6.58
